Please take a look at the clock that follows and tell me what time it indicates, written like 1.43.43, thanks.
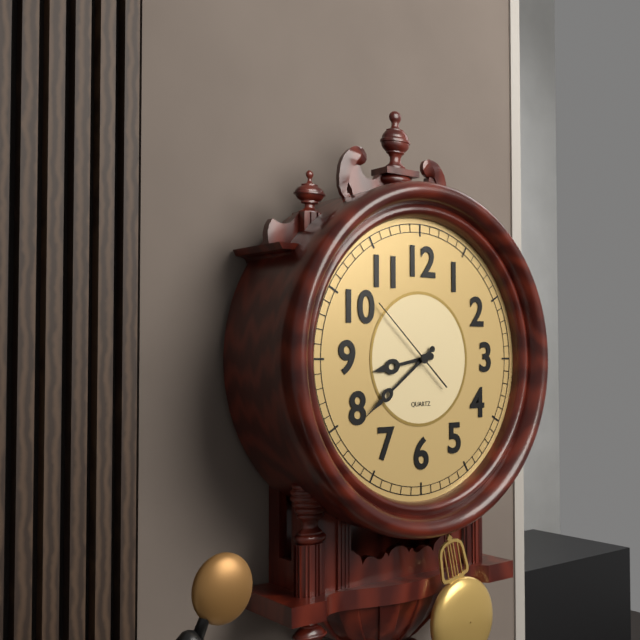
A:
8.39.52
